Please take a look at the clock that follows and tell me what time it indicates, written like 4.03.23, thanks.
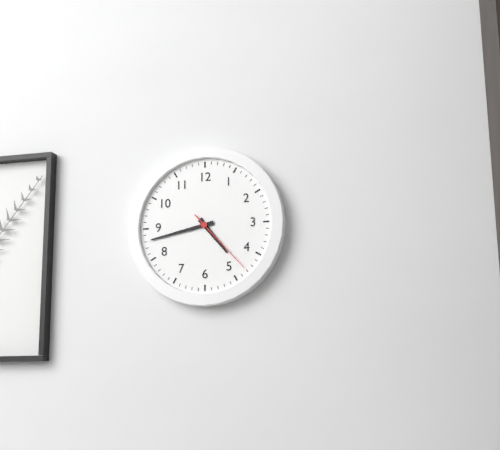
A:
4.43.23
